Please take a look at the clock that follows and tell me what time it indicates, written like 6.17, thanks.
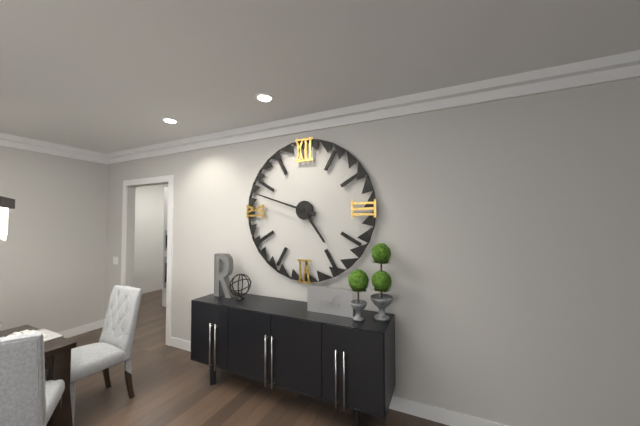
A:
4.48
